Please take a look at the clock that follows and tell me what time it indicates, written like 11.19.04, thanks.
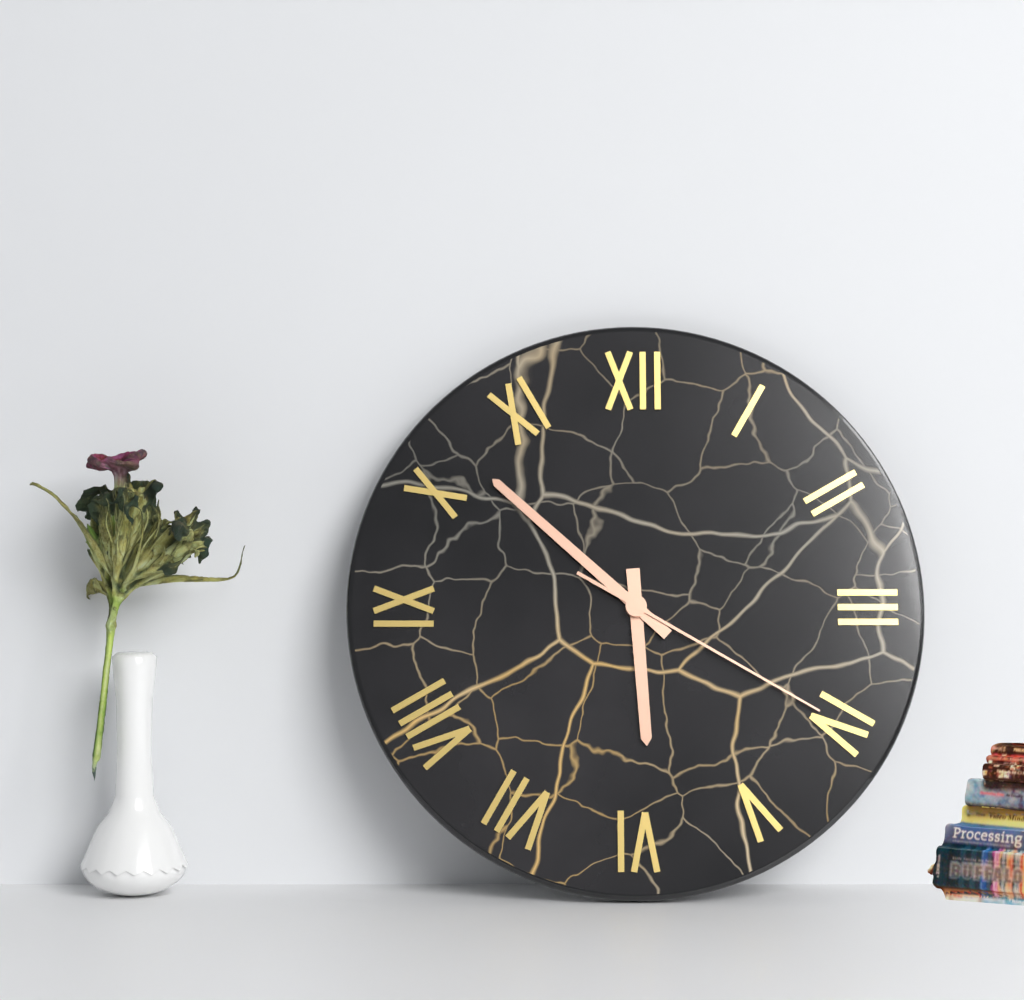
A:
5.52.20
